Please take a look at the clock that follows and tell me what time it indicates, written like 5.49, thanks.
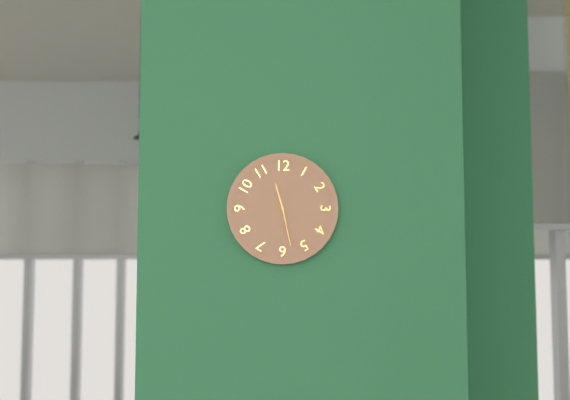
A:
11.28
